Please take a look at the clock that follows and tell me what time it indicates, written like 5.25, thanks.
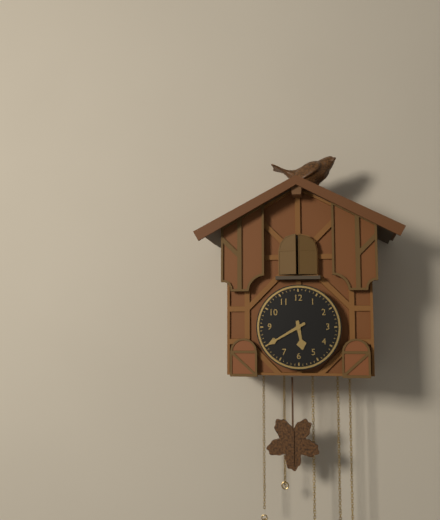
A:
5.40
